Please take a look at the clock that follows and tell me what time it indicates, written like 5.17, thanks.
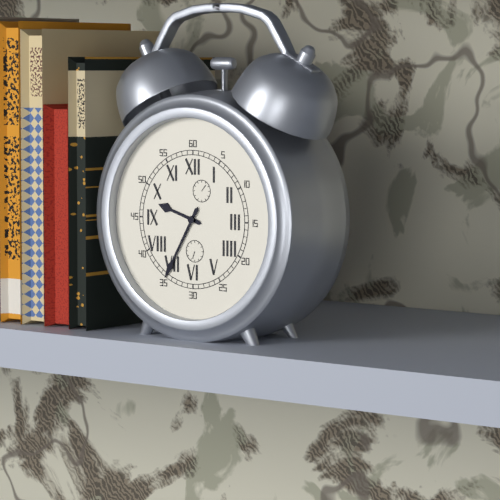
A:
9.35
